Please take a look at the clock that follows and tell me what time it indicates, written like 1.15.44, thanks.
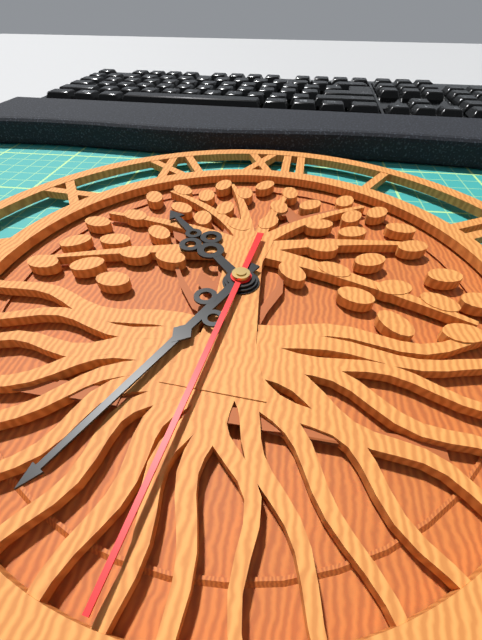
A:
10.34.31
